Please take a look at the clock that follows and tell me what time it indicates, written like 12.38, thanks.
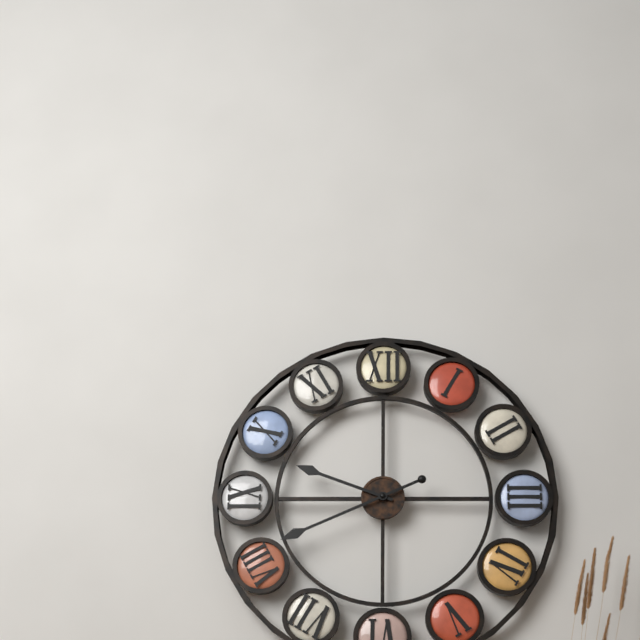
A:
9.41
